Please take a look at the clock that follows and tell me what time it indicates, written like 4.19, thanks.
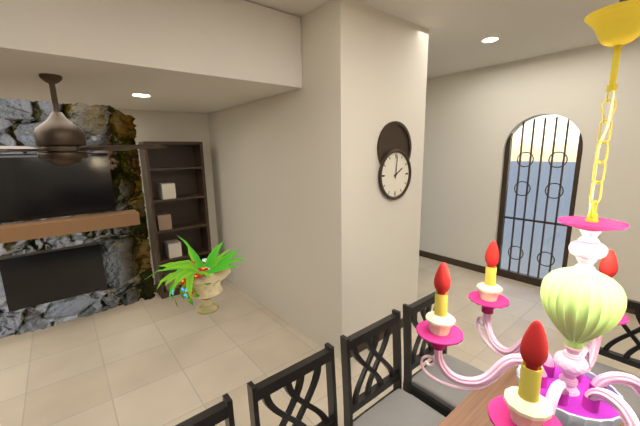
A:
2.01
